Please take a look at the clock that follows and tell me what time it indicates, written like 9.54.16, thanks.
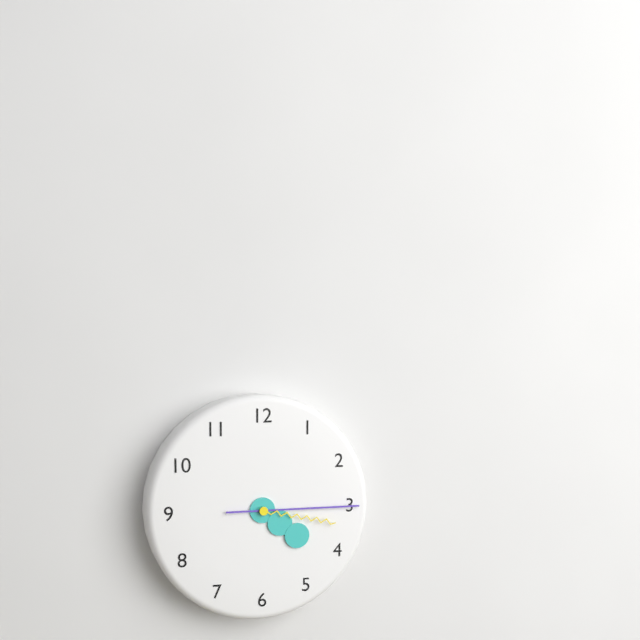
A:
4.15.17
